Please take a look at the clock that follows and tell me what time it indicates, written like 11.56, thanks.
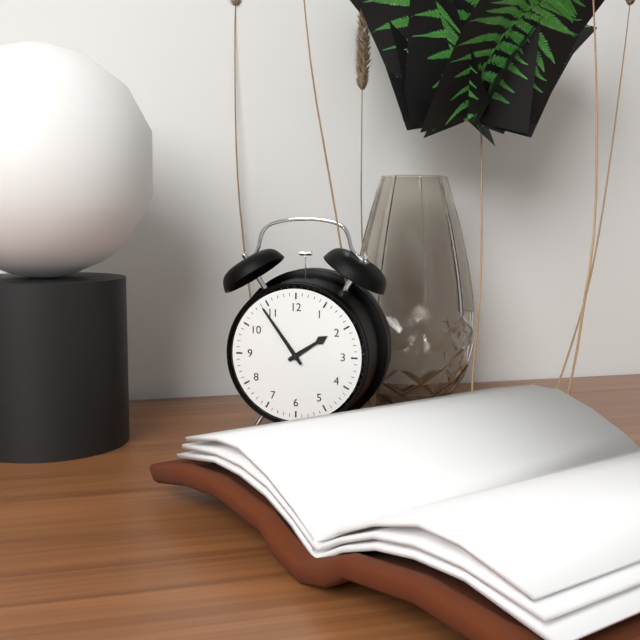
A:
1.54
